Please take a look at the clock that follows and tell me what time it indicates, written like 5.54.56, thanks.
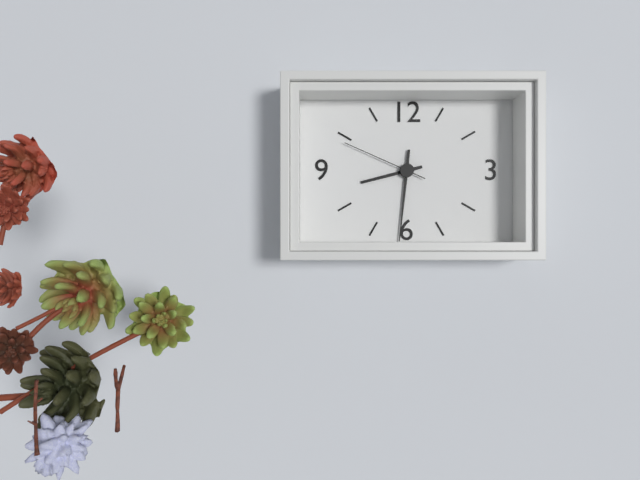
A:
8.31.49
